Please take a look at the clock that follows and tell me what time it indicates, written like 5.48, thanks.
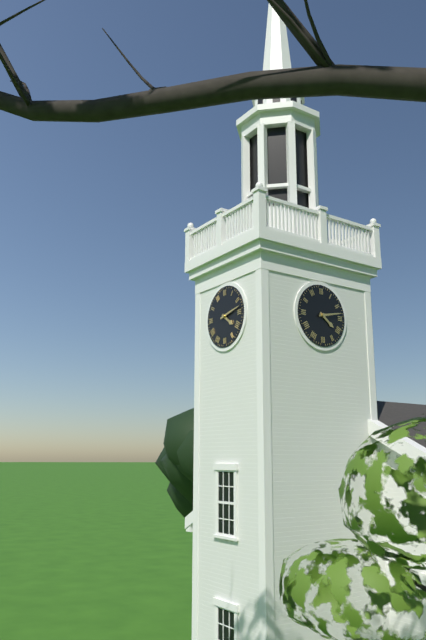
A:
4.13
